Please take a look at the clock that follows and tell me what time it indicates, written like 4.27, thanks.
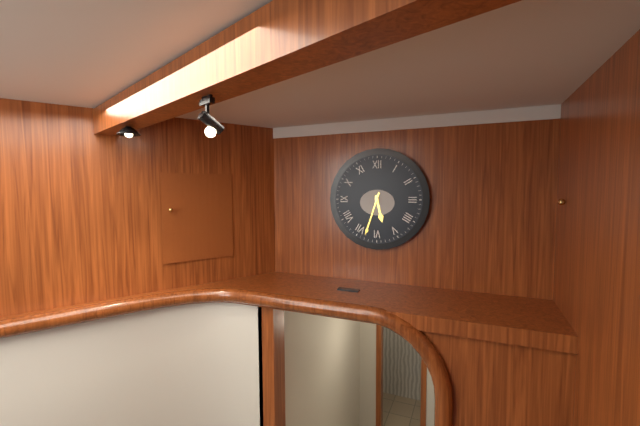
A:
5.33
